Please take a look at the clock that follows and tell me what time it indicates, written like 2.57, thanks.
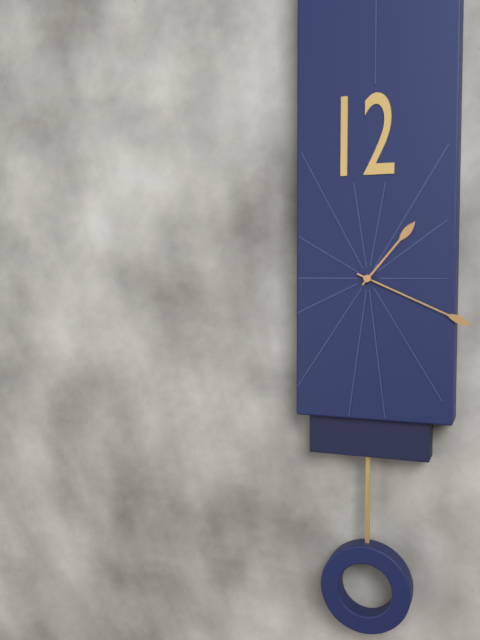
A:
1.19
